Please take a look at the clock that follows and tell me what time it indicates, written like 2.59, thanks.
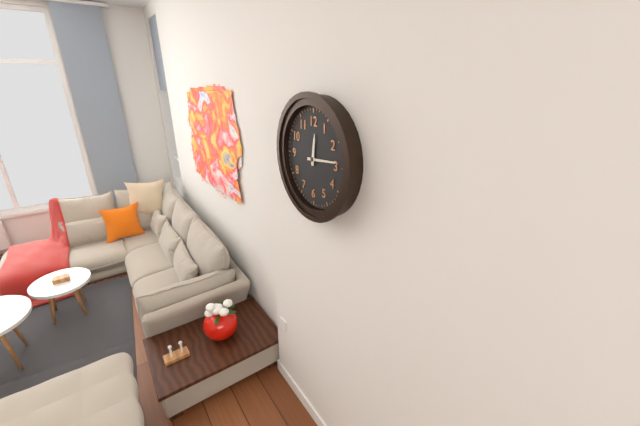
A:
12.14
